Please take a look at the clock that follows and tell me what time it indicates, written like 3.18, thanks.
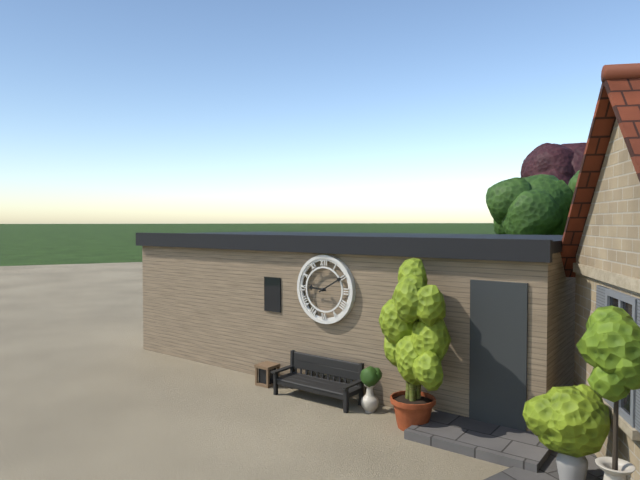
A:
9.10
